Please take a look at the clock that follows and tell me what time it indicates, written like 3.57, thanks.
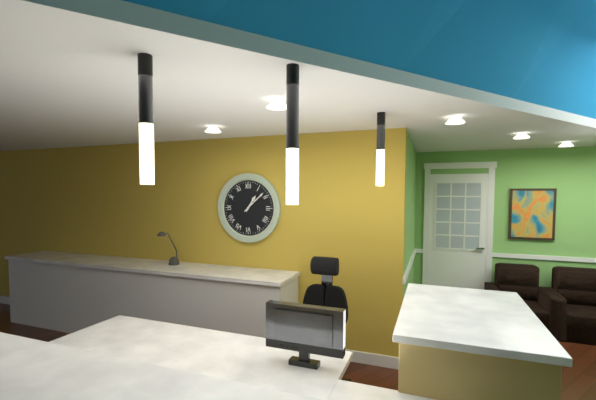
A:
1.08
